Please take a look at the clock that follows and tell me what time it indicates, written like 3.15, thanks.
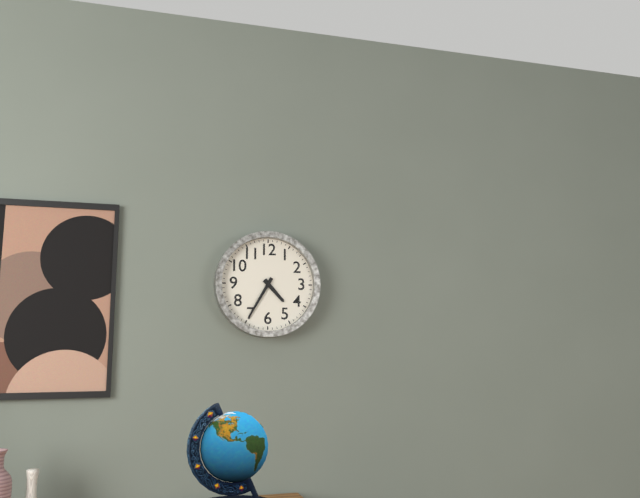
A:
4.35
